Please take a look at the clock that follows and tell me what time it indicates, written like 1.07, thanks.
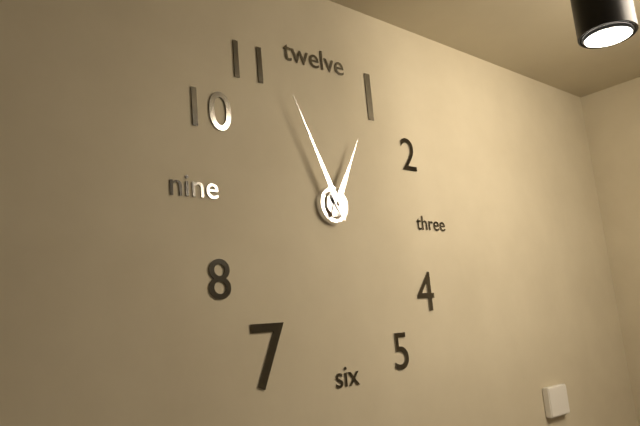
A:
12.56
